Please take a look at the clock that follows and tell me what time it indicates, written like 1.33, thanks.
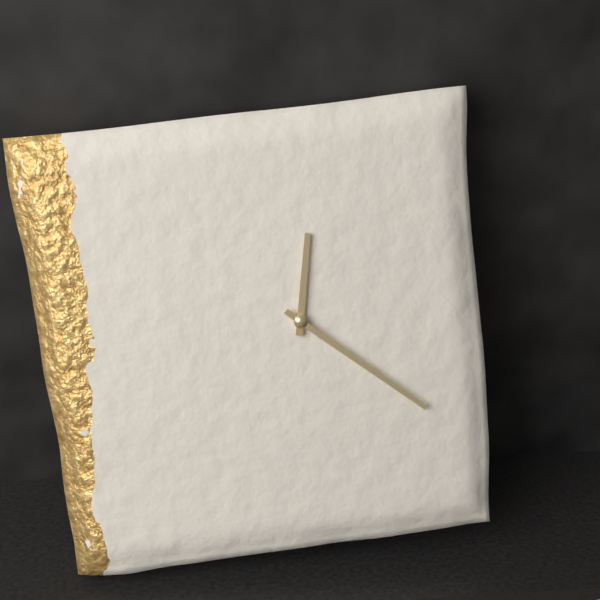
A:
12.22
